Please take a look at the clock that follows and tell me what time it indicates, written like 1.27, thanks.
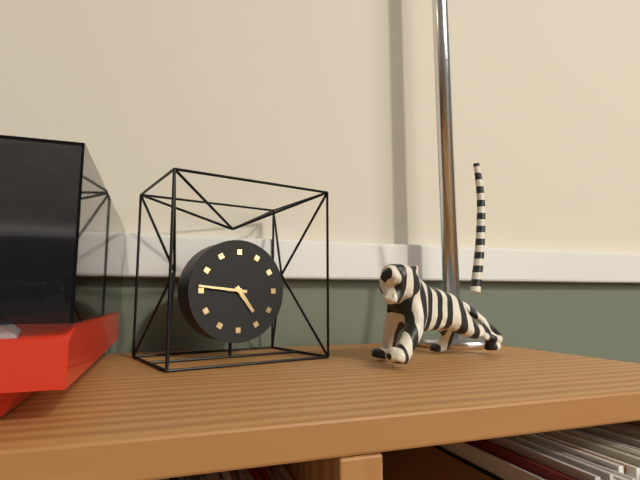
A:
4.46
